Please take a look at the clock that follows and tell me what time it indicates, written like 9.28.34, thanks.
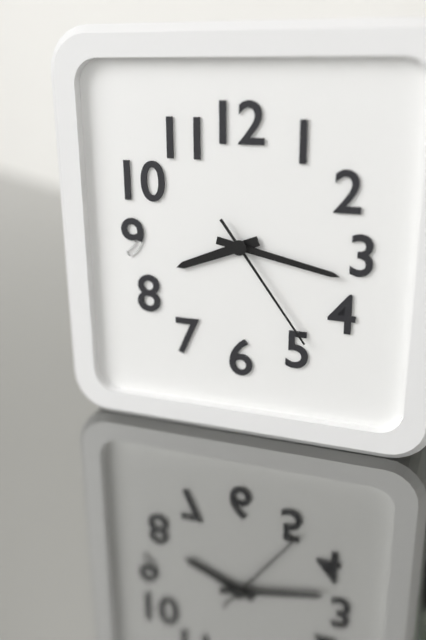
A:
8.17.24
